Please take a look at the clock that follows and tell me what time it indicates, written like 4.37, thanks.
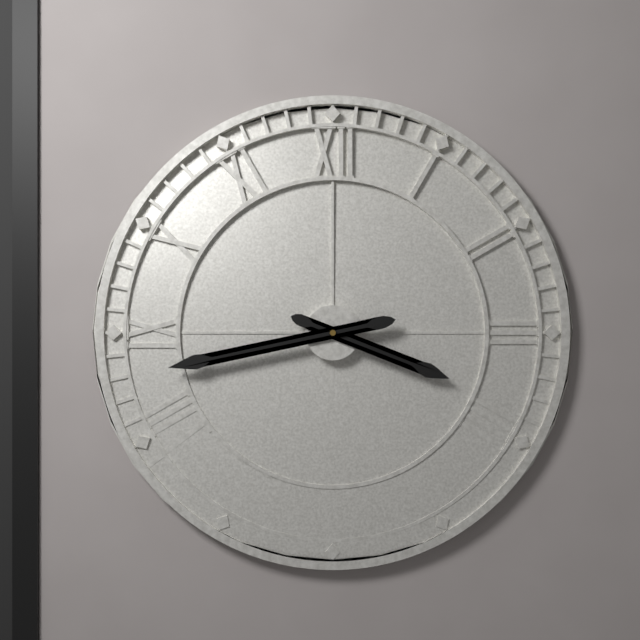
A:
3.43
